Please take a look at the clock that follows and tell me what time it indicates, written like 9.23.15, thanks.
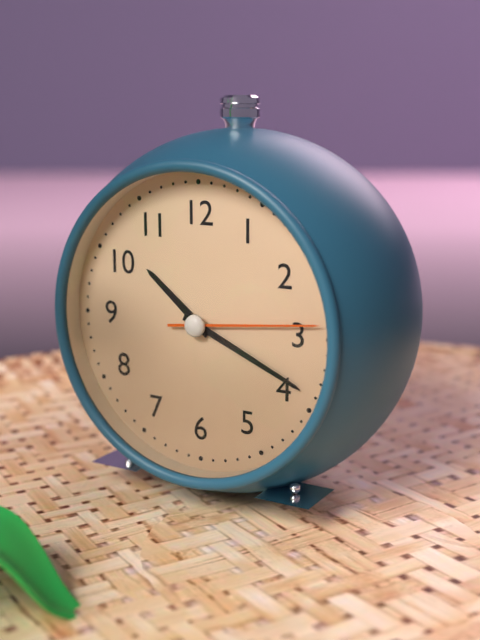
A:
10.19.14
